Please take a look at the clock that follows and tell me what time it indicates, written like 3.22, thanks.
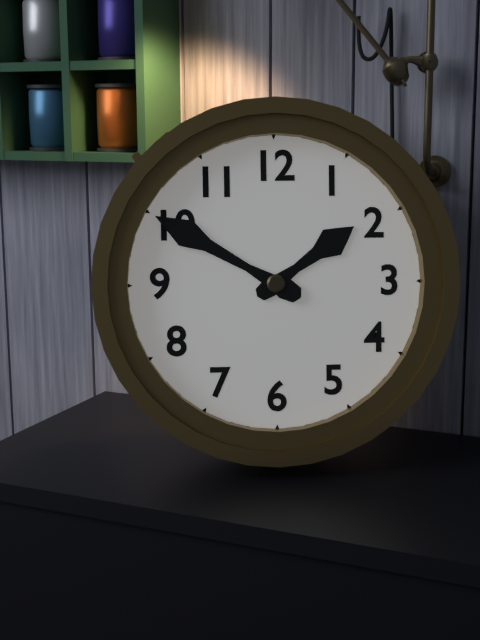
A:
1.50
